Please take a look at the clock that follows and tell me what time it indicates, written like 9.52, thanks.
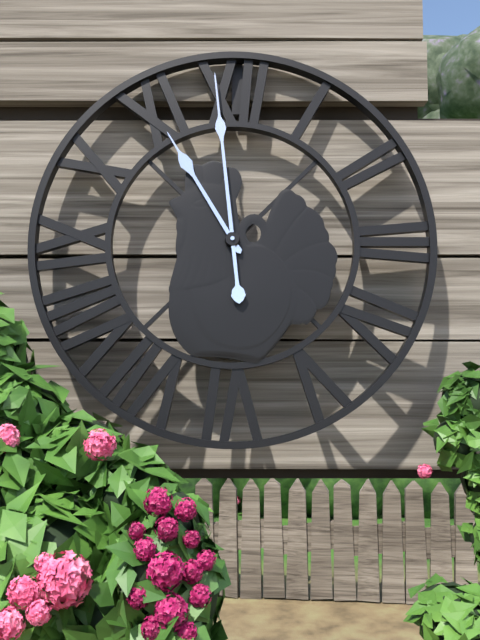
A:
10.59
